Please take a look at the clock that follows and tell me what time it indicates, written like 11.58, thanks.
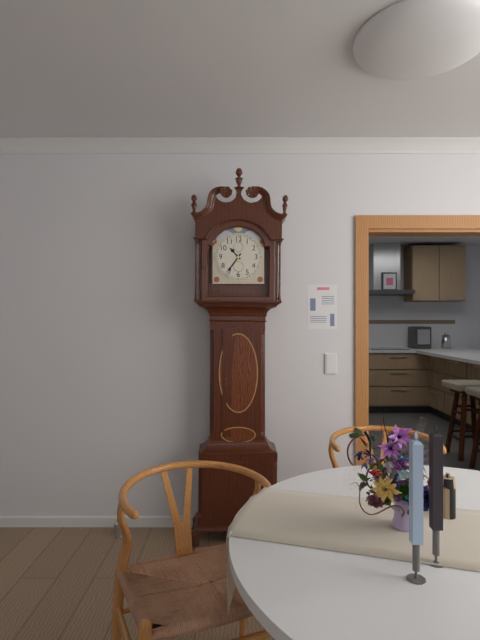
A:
10.36
